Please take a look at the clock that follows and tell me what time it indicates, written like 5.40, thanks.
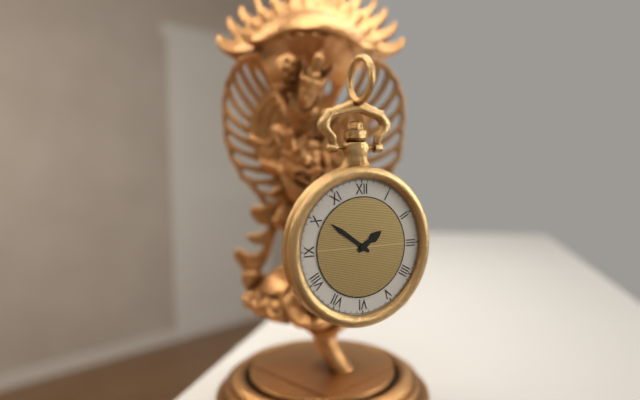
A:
1.51
